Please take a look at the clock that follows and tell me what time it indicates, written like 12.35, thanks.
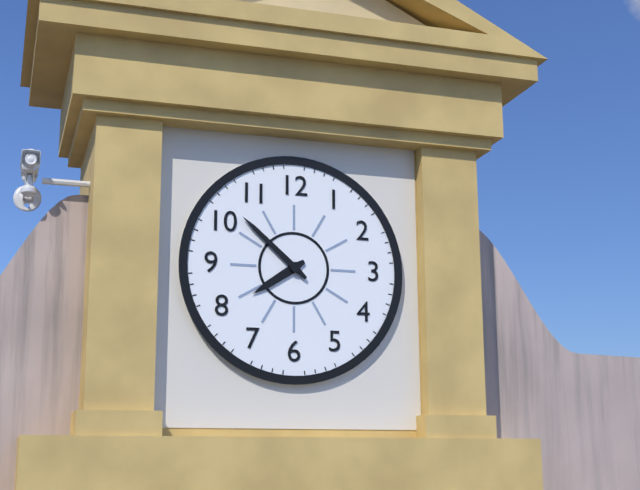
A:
7.52
